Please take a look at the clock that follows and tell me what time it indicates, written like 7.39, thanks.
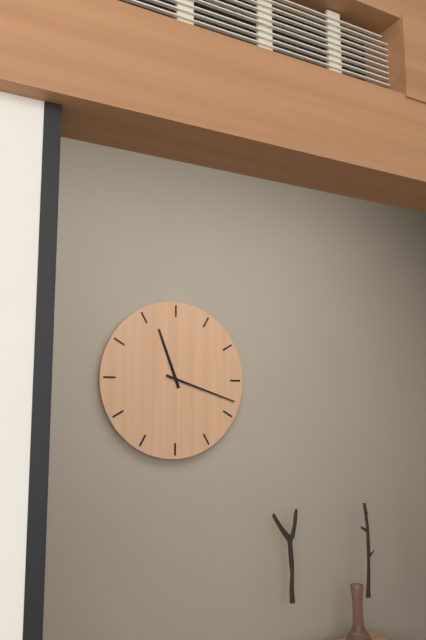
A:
11.18
